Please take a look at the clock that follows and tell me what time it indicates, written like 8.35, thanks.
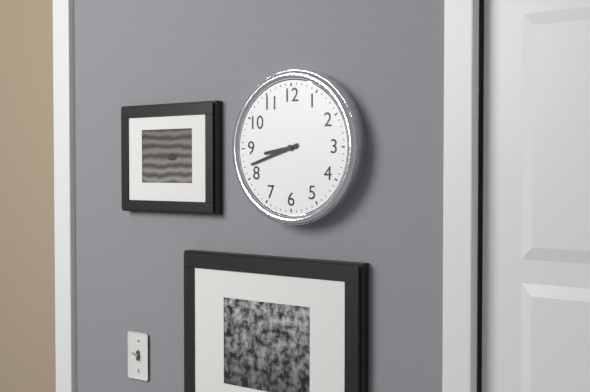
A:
8.42
